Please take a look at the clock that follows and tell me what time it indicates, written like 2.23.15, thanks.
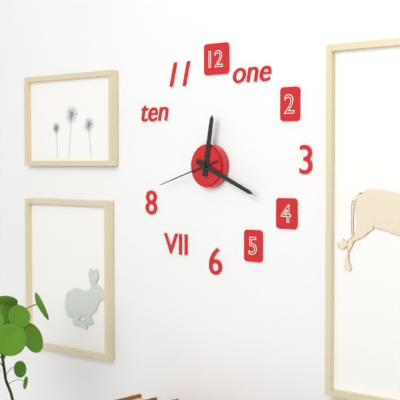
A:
12.19.42
